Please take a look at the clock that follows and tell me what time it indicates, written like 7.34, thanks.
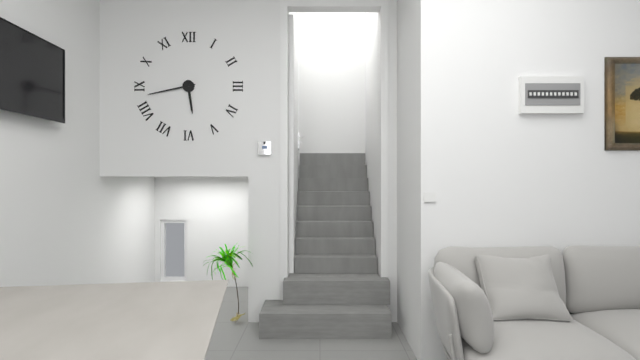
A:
5.43
